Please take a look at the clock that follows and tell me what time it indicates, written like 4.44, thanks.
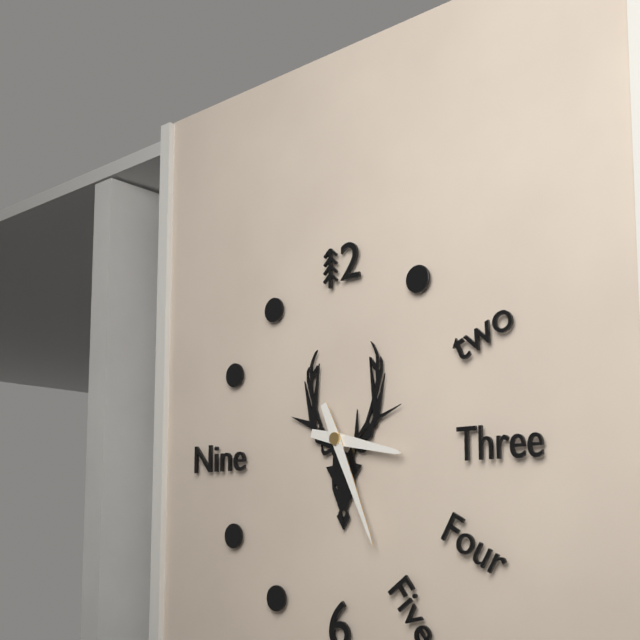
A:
3.26
